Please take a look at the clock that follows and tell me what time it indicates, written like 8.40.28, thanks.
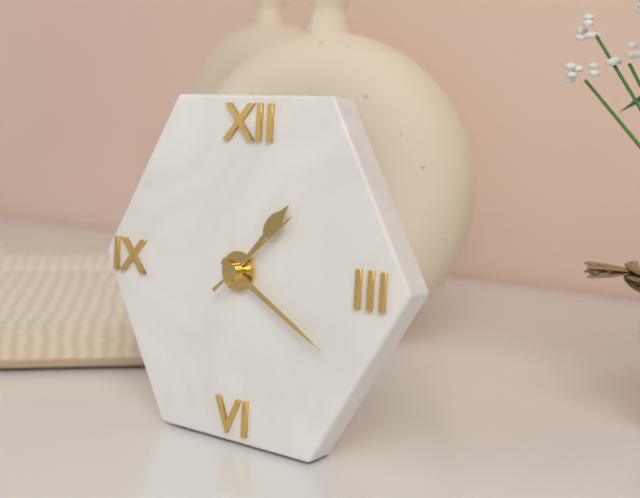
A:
1.20.08
